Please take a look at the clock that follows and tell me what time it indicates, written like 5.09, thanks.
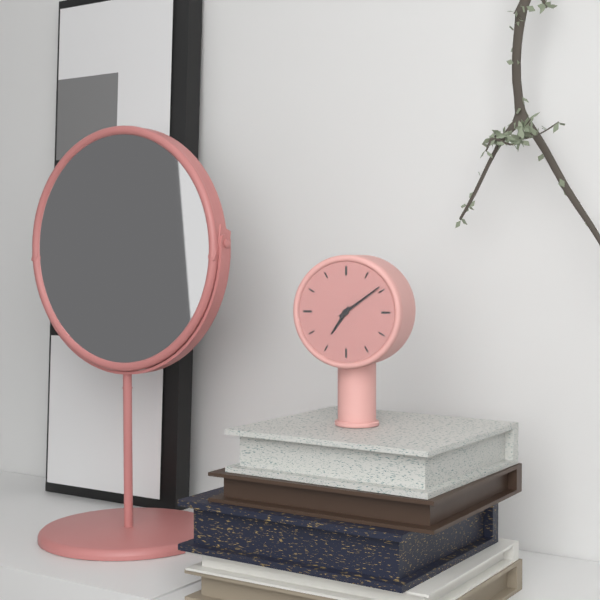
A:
7.09
